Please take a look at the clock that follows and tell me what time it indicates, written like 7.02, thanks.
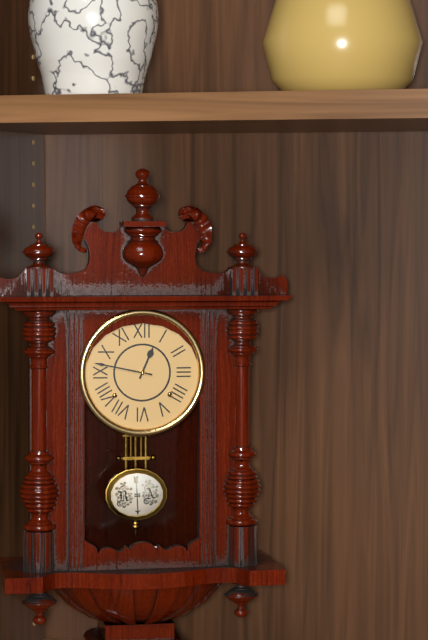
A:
12.47
